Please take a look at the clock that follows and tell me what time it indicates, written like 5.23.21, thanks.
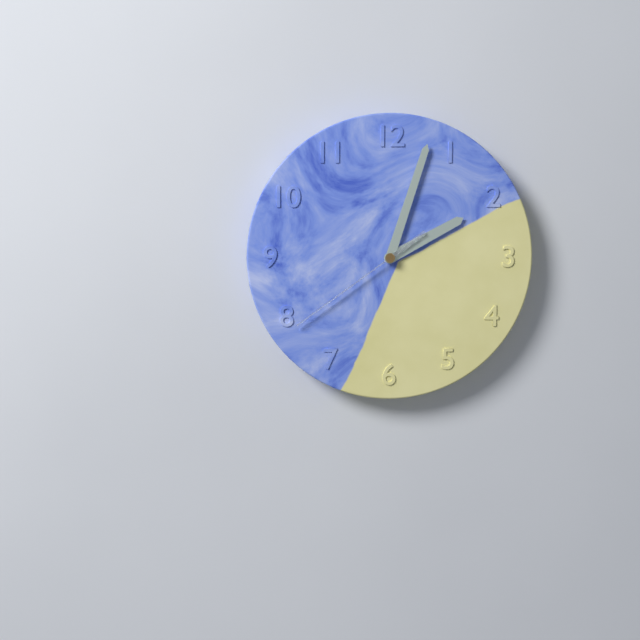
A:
2.03.39
